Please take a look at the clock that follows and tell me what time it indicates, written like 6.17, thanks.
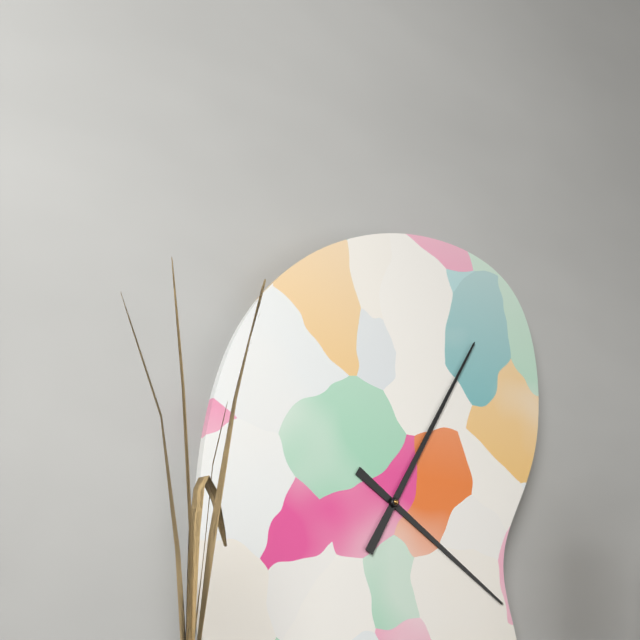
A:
4.05
